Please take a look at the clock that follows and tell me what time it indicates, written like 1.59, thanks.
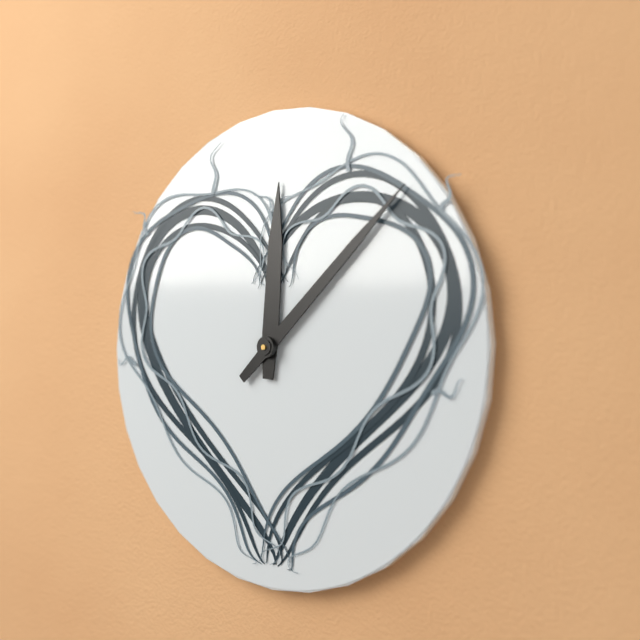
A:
12.08
